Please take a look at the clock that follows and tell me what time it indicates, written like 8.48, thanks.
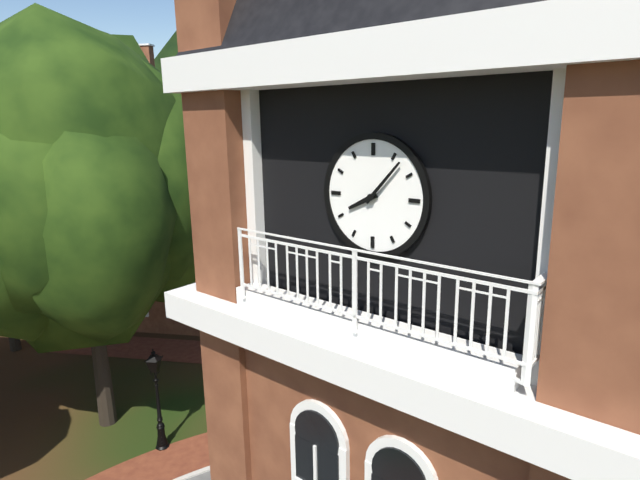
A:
8.07
